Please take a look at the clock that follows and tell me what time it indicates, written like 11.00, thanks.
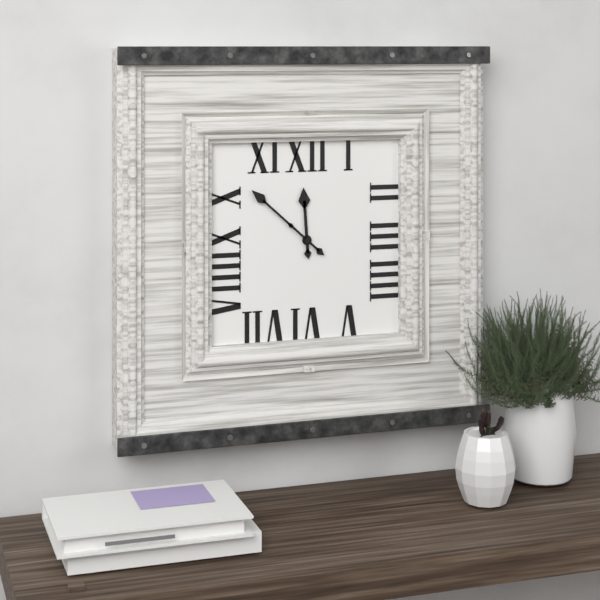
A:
11.52
